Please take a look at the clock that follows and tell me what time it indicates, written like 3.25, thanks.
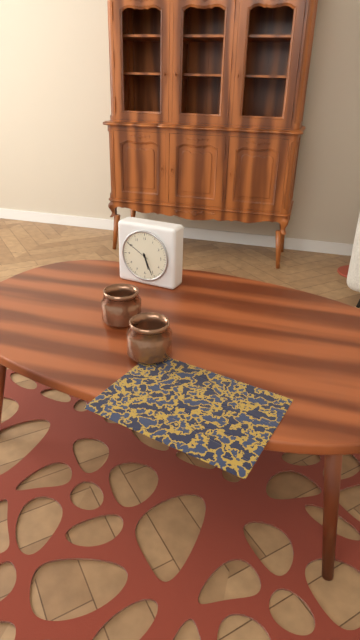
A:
5.26
